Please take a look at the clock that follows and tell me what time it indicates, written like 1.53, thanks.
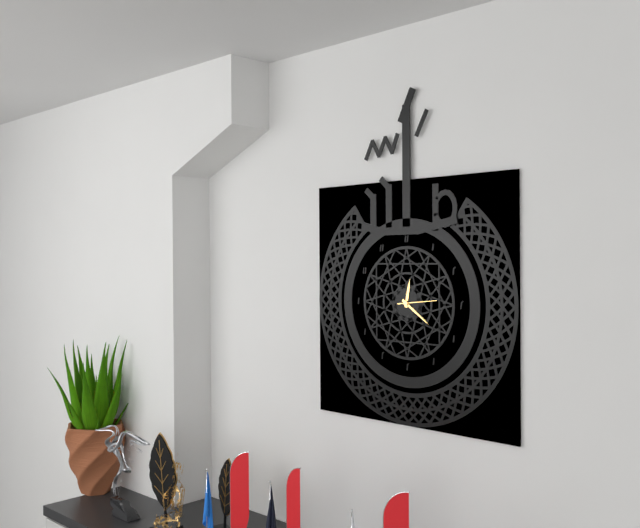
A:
12.21
